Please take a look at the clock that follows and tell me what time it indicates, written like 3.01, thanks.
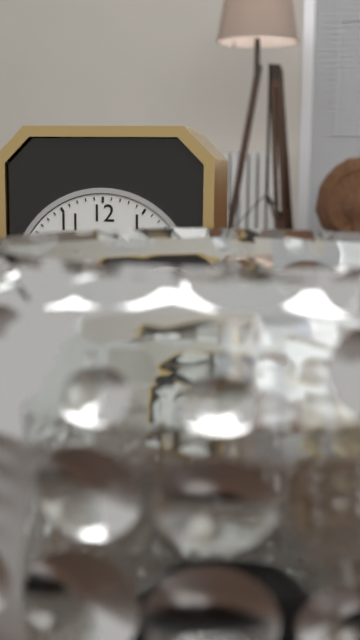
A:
4.20
